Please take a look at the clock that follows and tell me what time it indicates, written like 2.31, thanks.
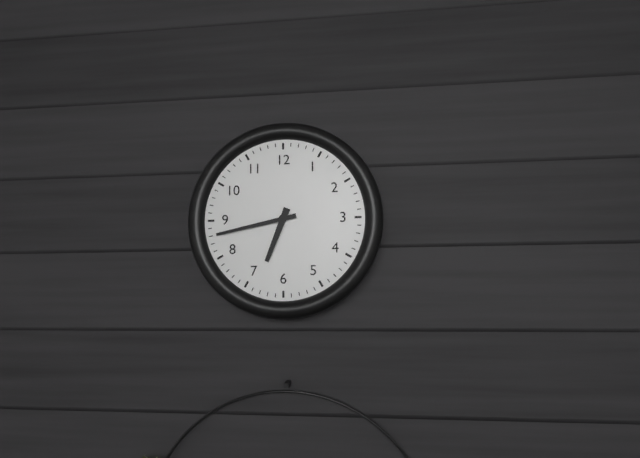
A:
6.43
